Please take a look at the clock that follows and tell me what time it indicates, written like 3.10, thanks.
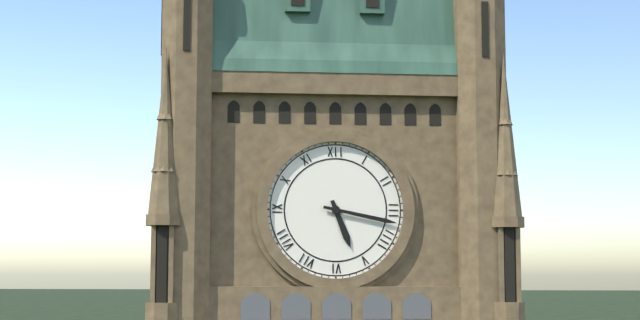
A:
5.17
